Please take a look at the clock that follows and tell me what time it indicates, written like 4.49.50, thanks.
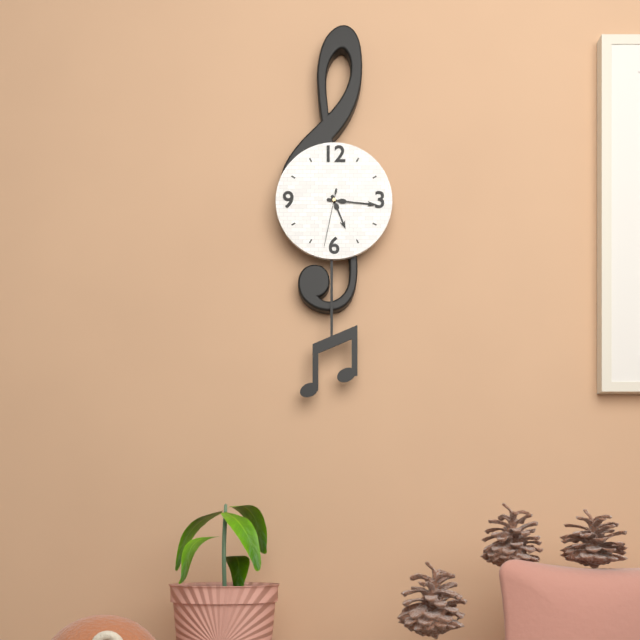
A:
5.16.32
